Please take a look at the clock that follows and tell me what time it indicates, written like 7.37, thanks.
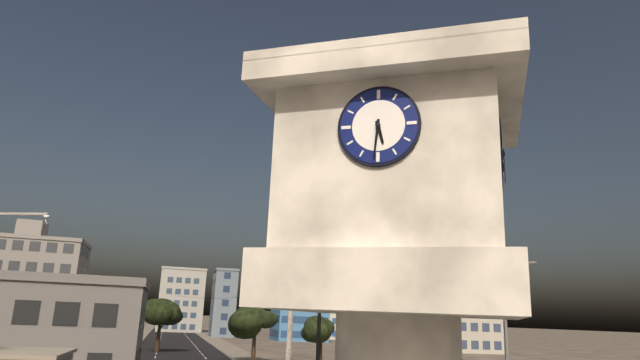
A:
5.31
